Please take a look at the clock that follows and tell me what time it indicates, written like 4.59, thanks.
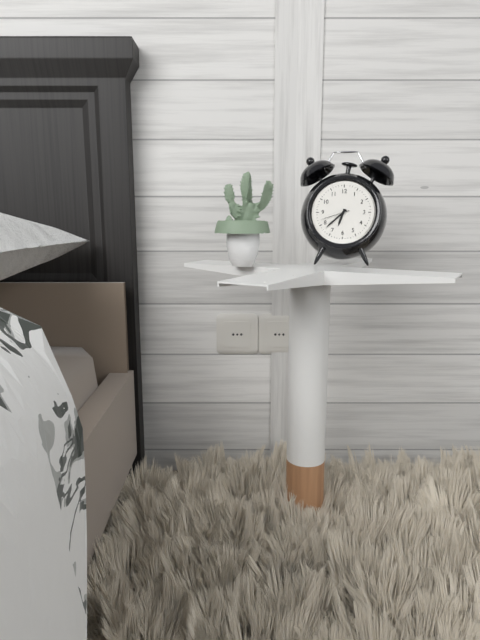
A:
6.38
